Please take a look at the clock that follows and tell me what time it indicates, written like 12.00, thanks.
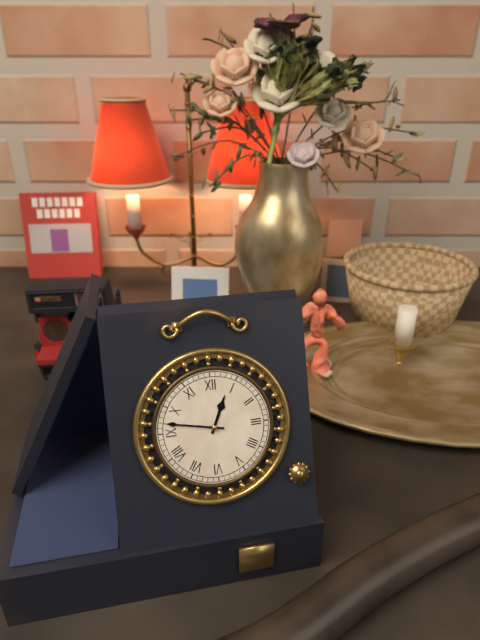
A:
12.47
